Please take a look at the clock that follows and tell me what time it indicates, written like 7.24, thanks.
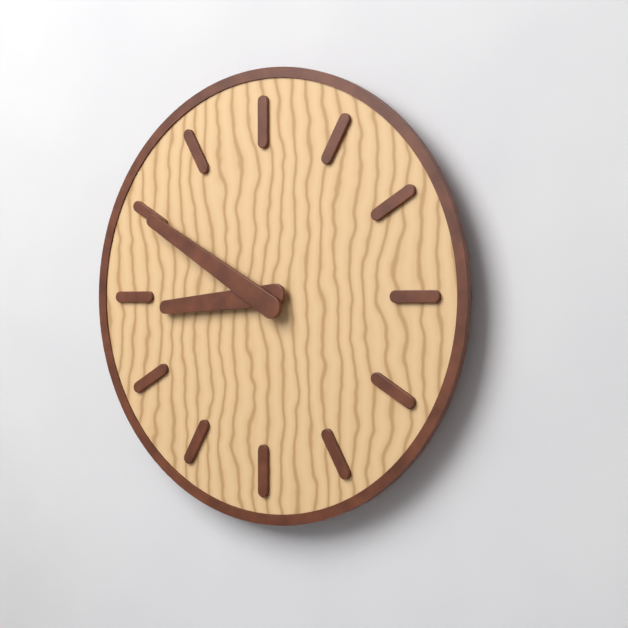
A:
8.50
